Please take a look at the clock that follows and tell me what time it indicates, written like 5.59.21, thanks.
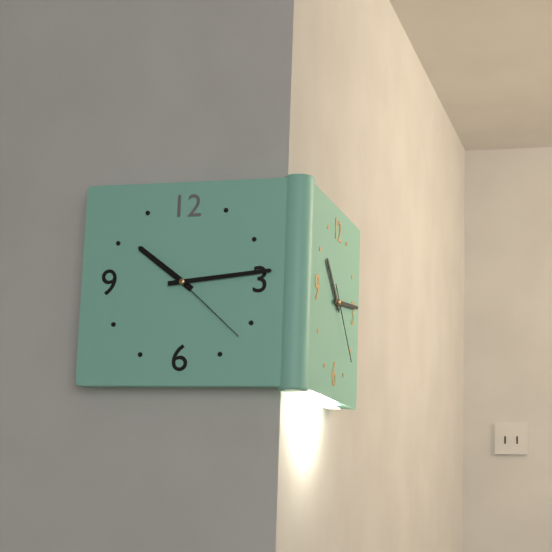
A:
10.14.22
